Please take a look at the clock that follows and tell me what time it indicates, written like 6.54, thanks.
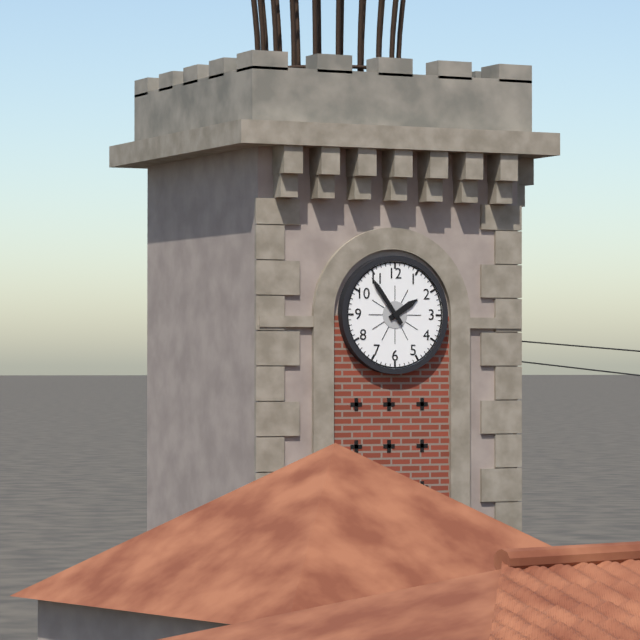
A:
1.54
